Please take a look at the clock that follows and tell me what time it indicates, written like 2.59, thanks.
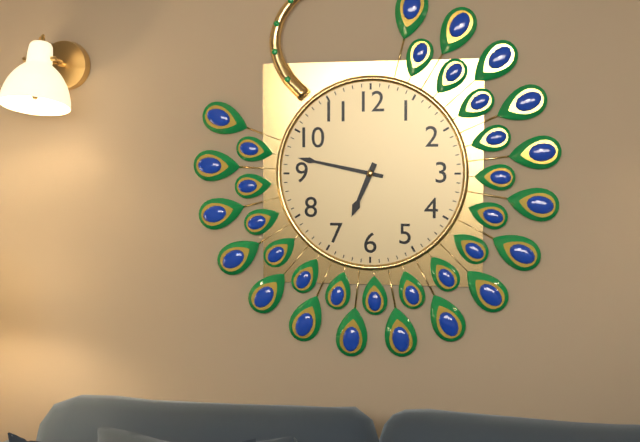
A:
6.47
